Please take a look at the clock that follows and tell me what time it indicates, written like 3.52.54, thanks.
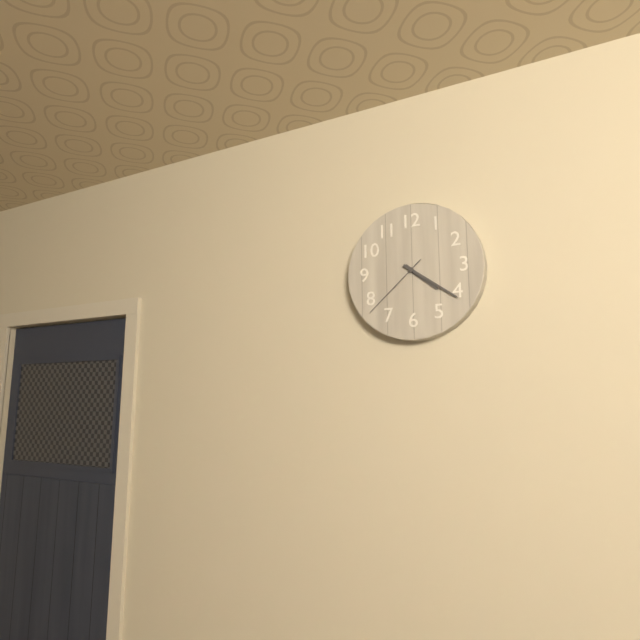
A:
4.21.38
